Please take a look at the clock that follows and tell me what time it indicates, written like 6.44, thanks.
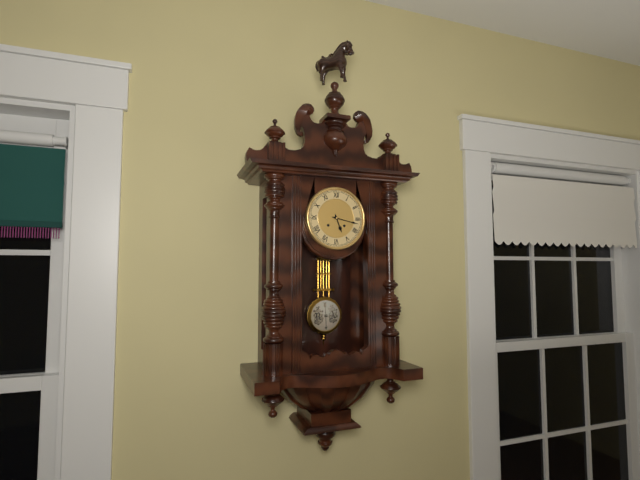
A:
5.17
